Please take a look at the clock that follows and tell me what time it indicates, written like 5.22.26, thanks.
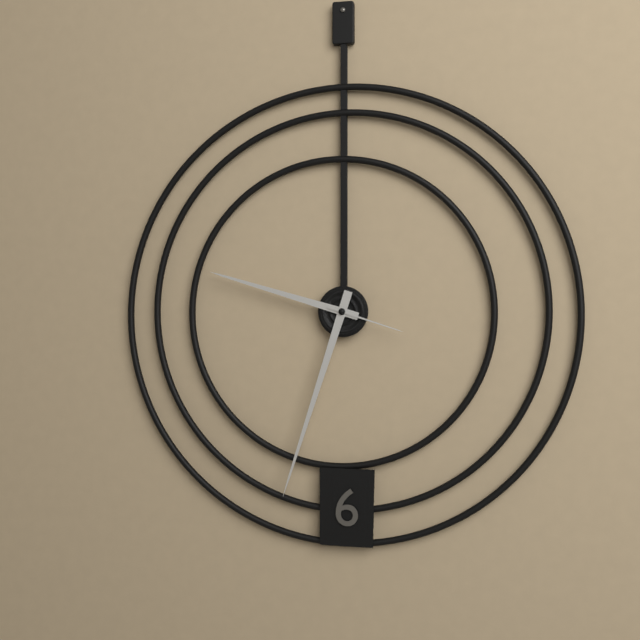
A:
9.33.18
